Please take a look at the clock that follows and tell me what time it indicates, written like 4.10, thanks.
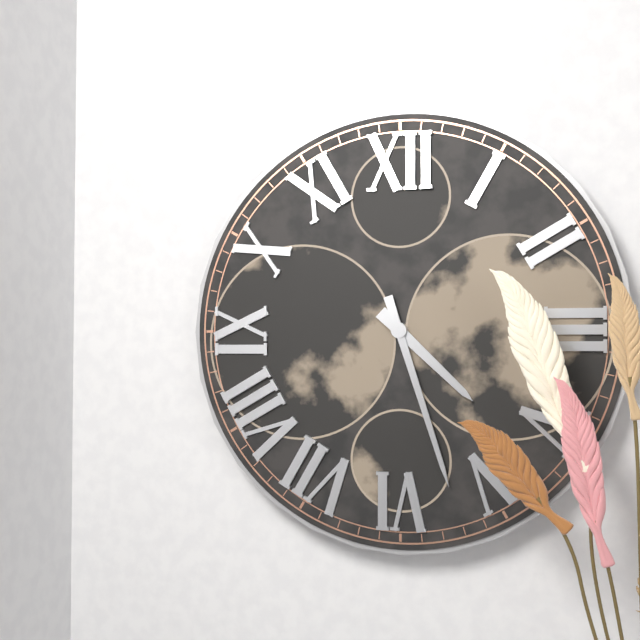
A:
4.27
